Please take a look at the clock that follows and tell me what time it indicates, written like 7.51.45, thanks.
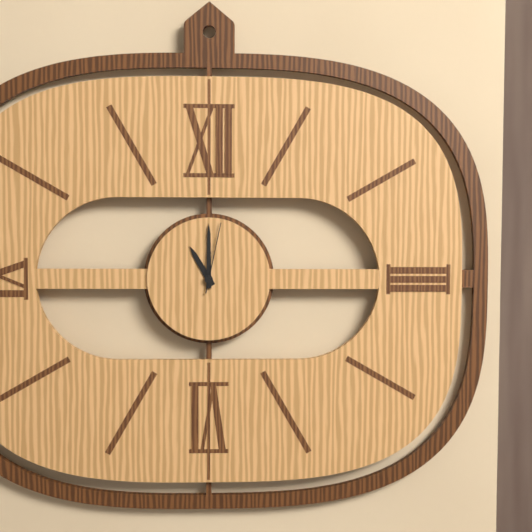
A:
11.00.02
